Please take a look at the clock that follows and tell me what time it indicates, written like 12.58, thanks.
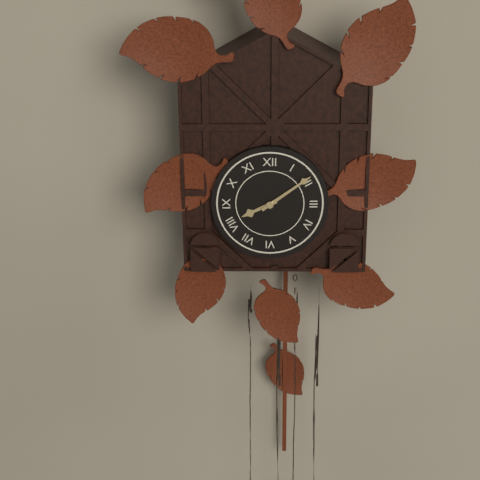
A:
8.09
